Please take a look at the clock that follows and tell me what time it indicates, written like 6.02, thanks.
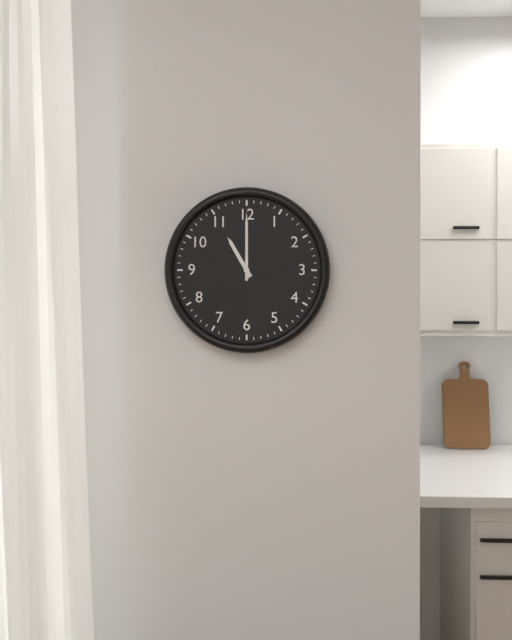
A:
11.00
